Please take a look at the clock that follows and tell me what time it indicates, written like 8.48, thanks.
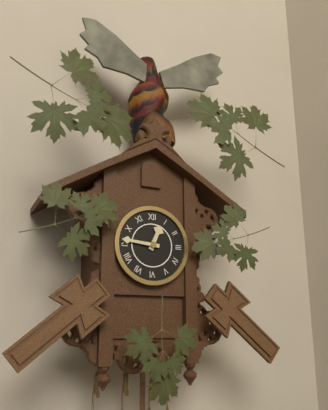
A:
12.46
